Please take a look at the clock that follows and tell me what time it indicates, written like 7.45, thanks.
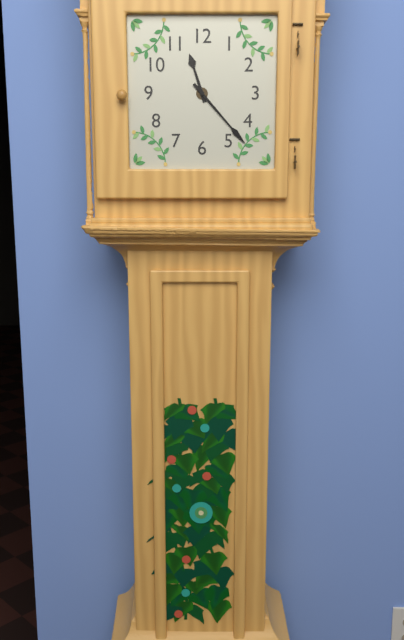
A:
11.23
